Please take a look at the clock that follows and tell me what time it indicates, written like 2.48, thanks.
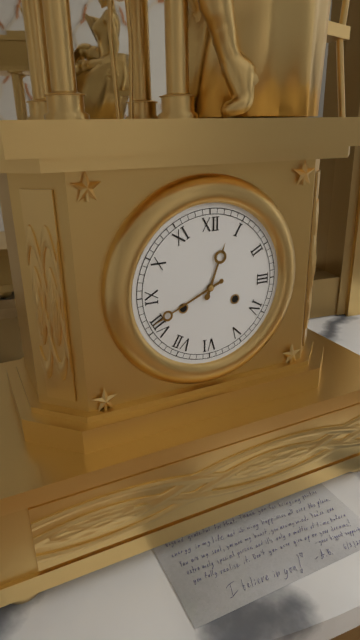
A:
12.41
